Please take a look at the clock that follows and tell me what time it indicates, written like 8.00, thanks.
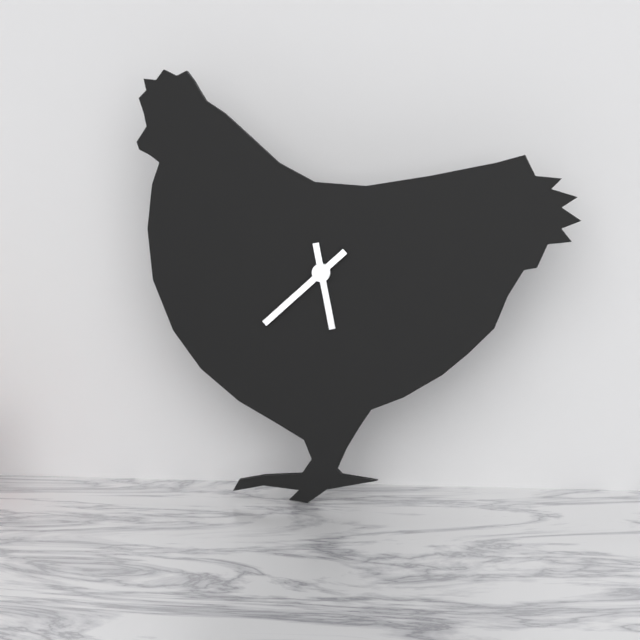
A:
5.38
